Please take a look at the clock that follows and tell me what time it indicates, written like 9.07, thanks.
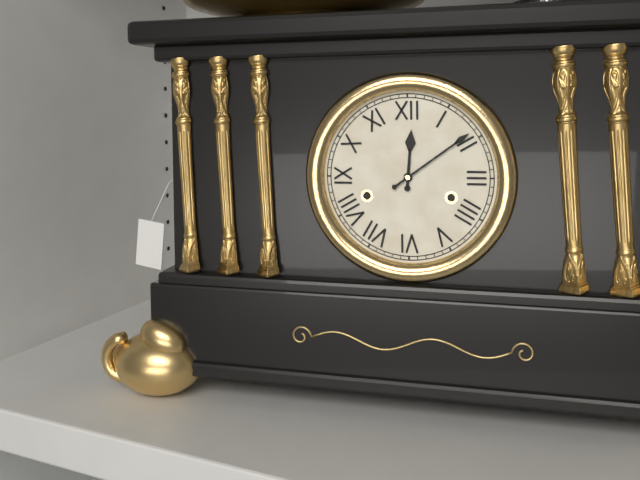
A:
12.09
